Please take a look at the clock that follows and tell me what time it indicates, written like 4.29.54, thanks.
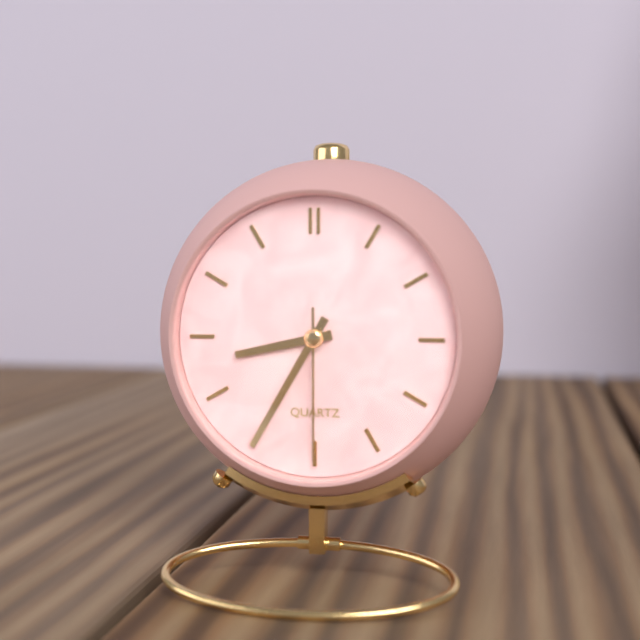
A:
8.35.30
